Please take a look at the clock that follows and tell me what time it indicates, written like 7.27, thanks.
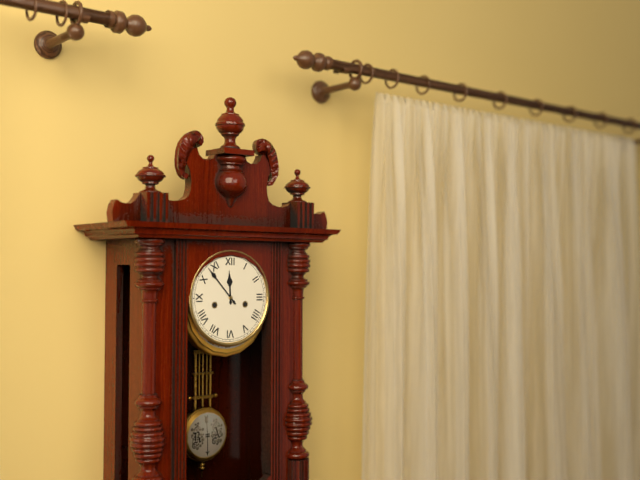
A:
11.53
